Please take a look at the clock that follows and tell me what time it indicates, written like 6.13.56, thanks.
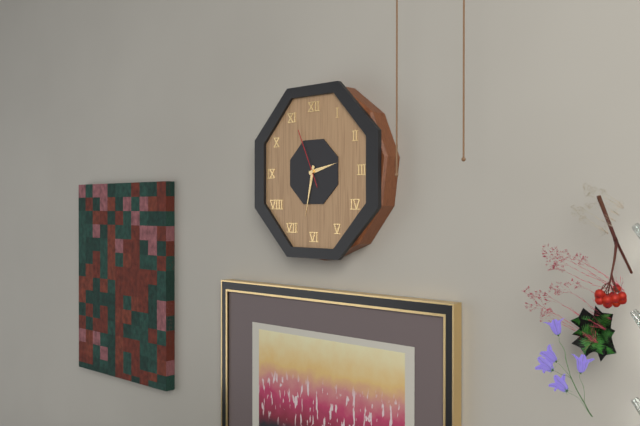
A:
2.32.56
